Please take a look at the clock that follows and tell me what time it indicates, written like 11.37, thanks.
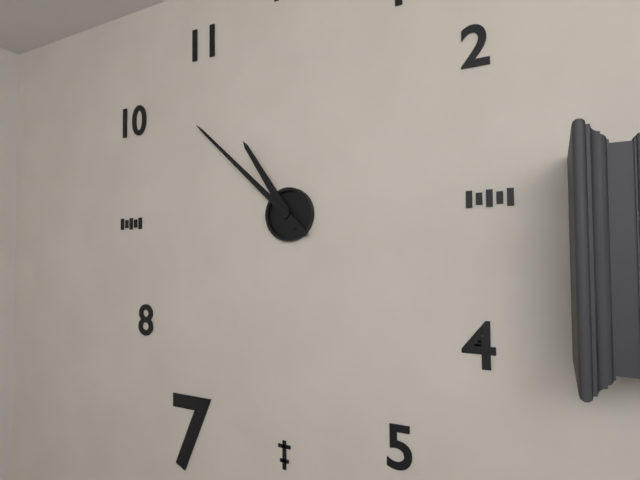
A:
10.52
